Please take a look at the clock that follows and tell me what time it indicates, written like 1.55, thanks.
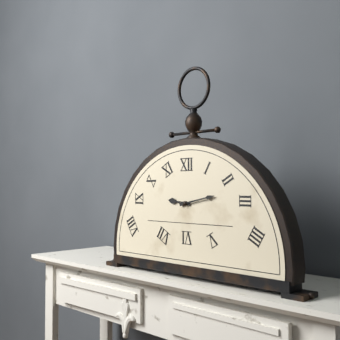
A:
9.13
